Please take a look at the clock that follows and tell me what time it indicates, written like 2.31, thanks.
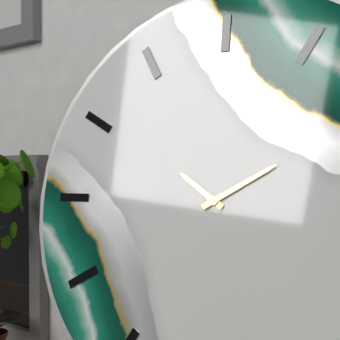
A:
10.10
